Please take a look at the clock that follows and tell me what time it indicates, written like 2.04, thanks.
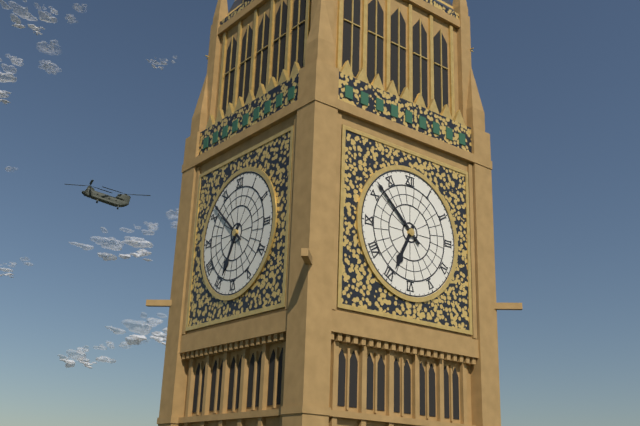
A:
6.52
